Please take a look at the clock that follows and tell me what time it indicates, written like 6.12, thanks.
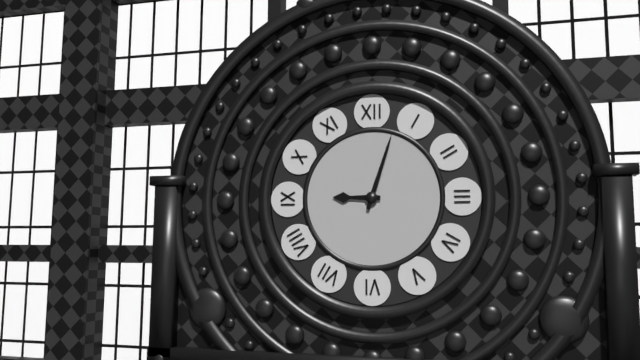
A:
9.03
